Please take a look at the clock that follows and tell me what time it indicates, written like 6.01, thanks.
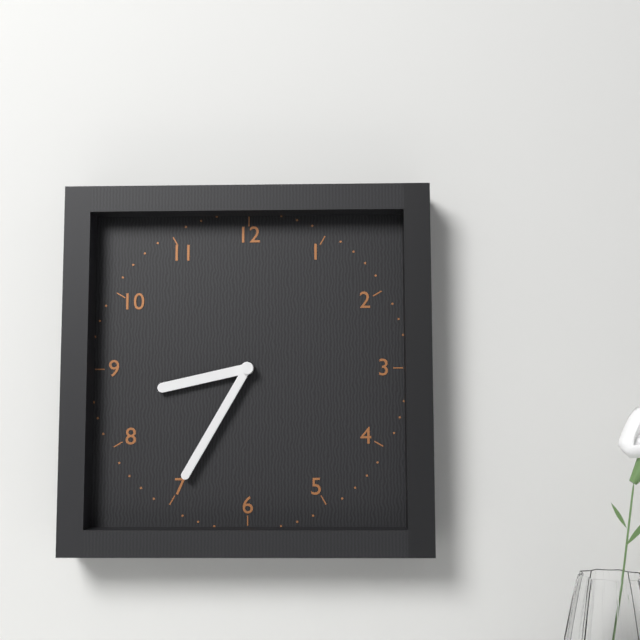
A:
8.35
